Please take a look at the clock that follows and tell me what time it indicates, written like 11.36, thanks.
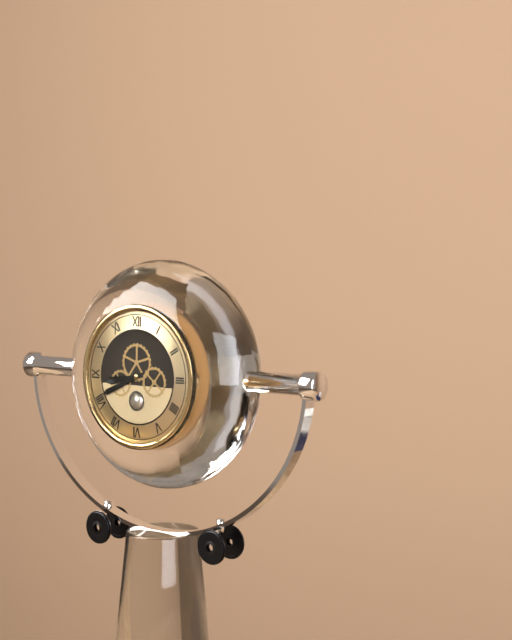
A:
8.41
